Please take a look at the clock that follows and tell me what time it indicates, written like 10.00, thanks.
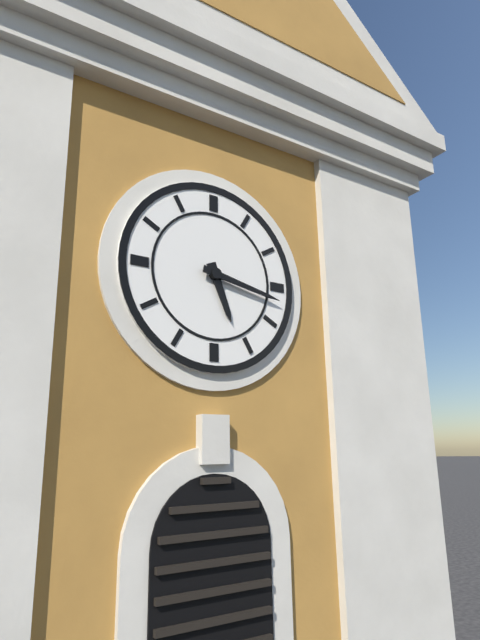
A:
5.17
